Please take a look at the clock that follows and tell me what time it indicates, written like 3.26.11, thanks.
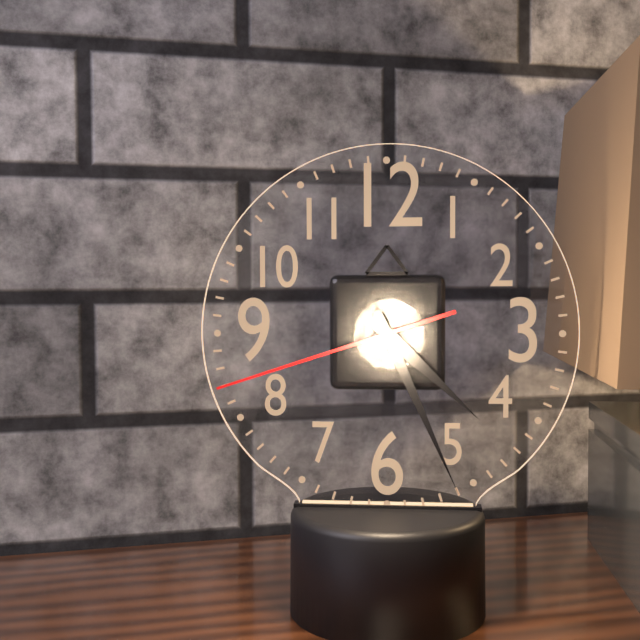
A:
4.26.42
